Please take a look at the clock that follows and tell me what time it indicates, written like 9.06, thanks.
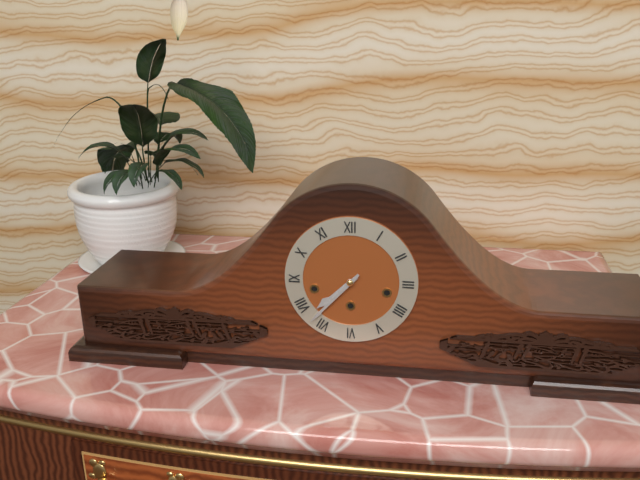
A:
7.37
